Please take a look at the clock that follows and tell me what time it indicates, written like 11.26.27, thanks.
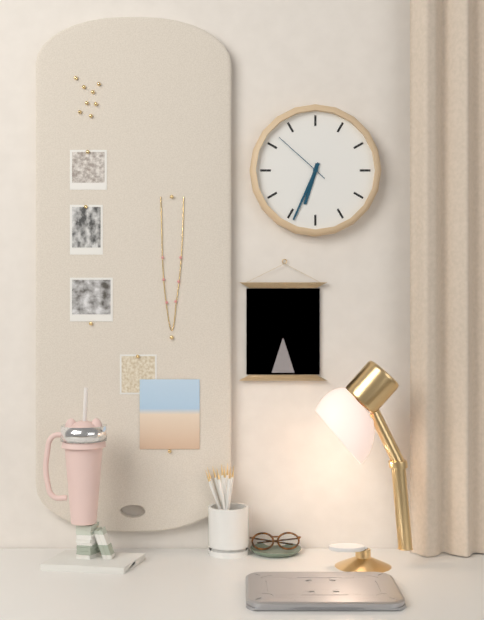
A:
6.34.52
